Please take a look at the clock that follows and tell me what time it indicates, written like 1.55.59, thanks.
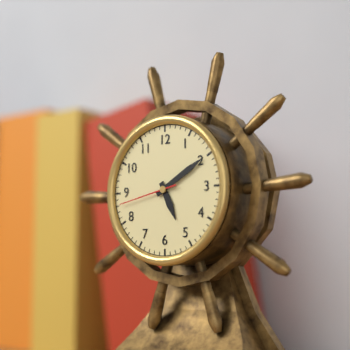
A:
5.10.43
